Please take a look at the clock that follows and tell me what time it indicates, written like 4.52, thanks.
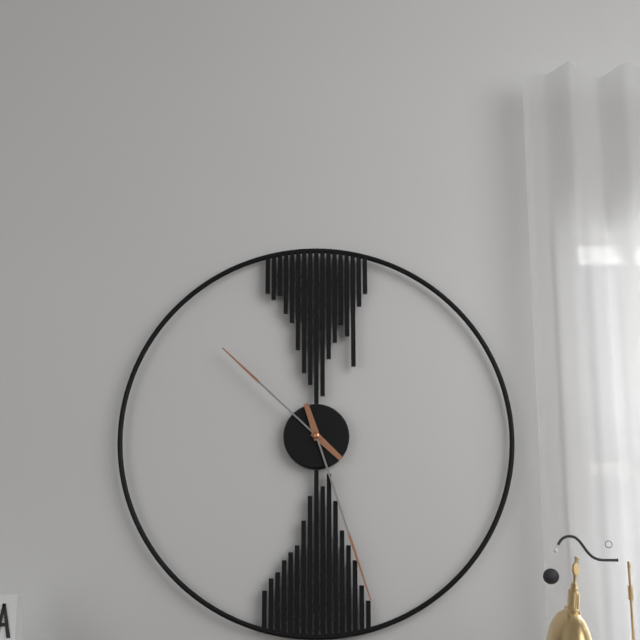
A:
10.27
